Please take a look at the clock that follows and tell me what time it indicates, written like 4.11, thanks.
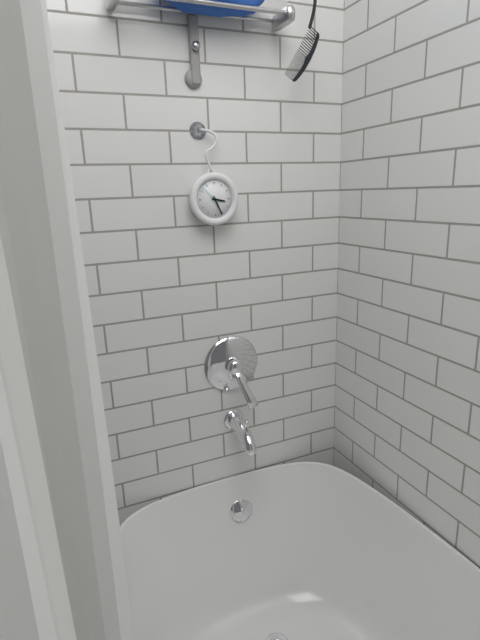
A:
3.26
